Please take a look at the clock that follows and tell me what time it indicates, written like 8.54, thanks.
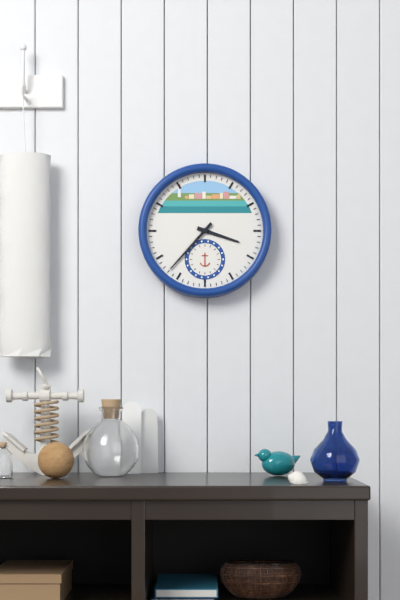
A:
3.37
